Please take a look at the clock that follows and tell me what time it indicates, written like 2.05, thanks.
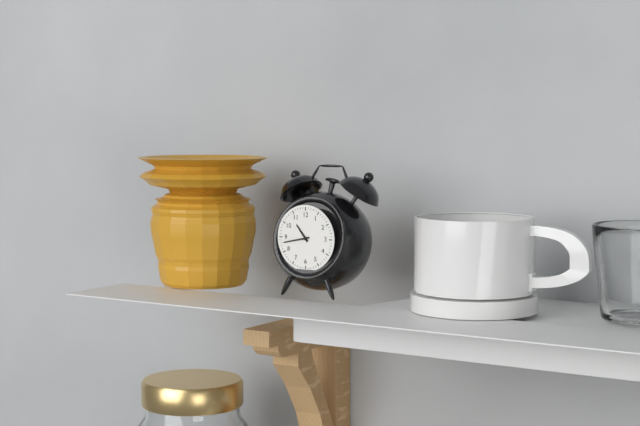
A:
10.43
